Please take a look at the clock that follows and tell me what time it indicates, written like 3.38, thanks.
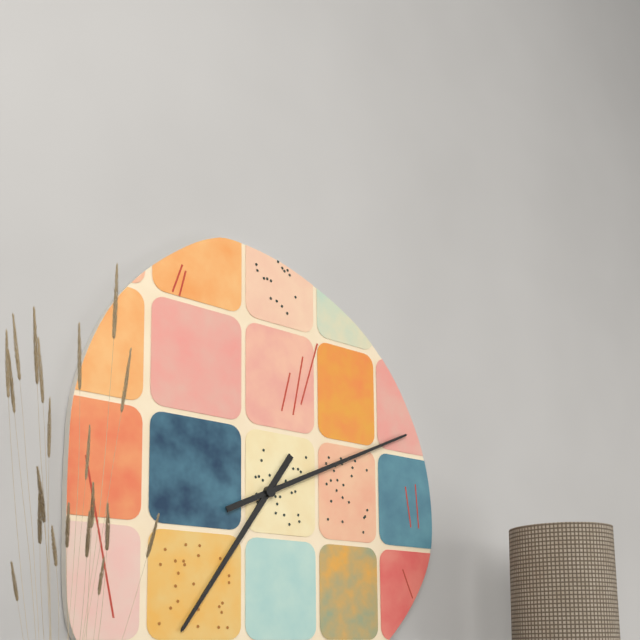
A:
7.11
